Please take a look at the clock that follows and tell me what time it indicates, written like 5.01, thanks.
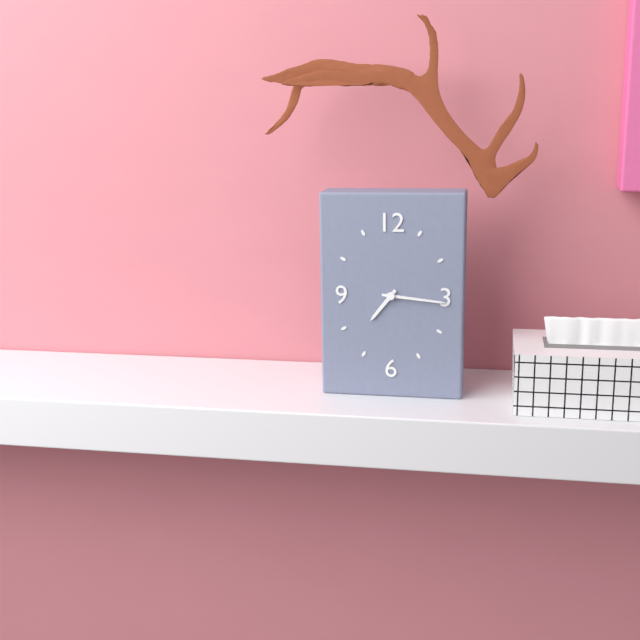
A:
7.16
